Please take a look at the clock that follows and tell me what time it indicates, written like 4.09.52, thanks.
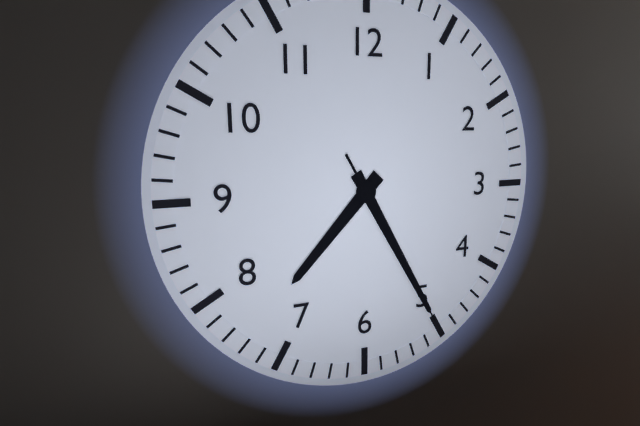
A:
7.25.25
